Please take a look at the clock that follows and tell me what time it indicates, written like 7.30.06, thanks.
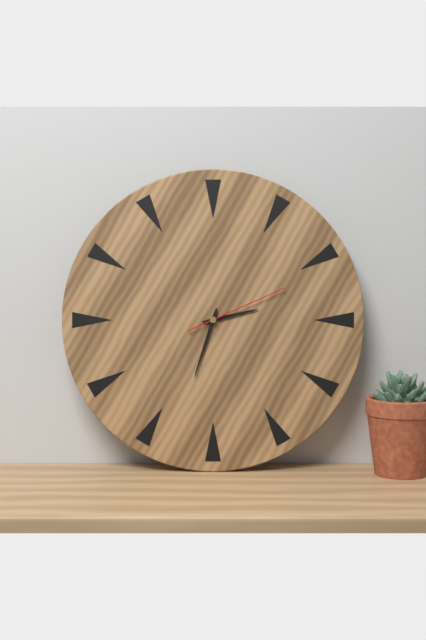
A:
2.33.11
